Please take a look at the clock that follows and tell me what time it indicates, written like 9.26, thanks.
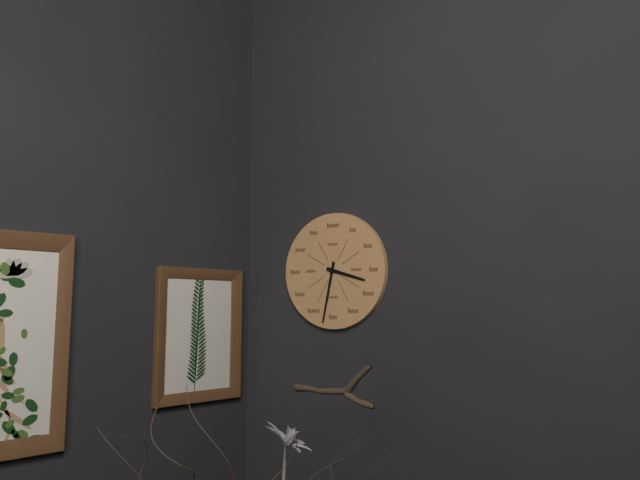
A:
3.32
